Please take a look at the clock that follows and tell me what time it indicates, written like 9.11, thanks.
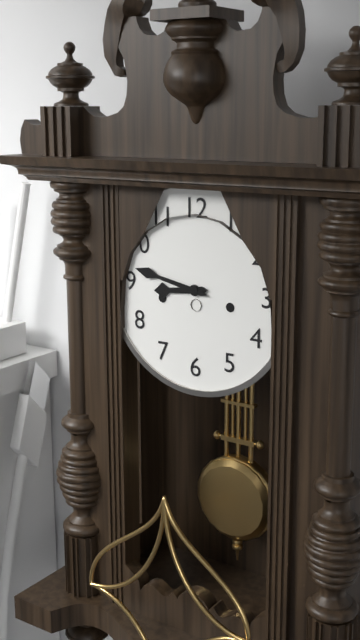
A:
8.47
